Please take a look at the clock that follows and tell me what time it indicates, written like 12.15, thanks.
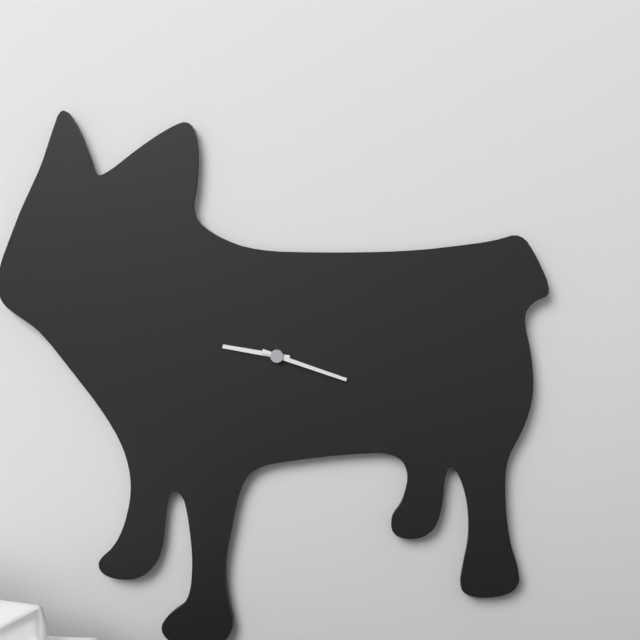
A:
9.18
